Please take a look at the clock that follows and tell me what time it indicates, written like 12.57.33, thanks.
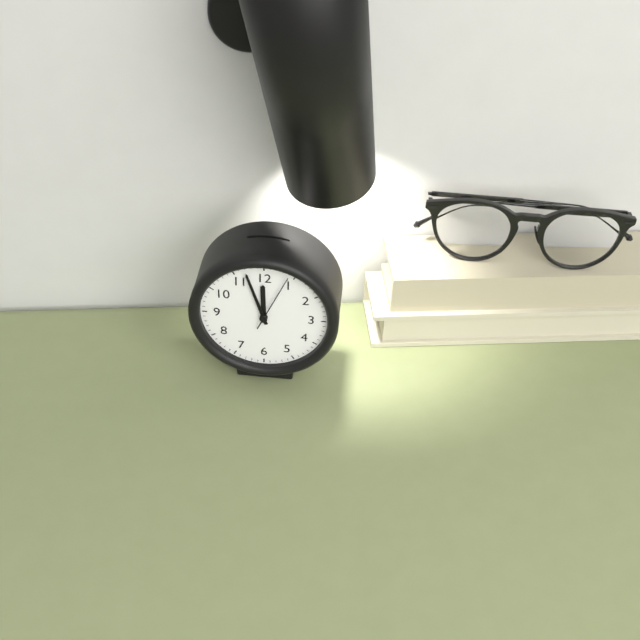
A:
11.57.04
